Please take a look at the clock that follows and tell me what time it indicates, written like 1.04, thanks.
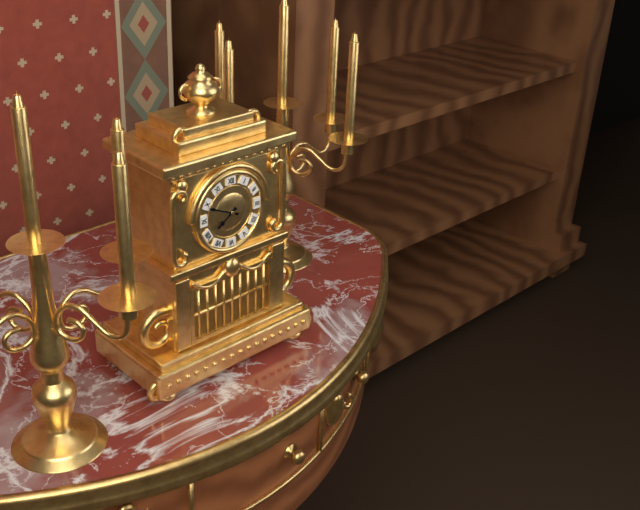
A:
7.49
